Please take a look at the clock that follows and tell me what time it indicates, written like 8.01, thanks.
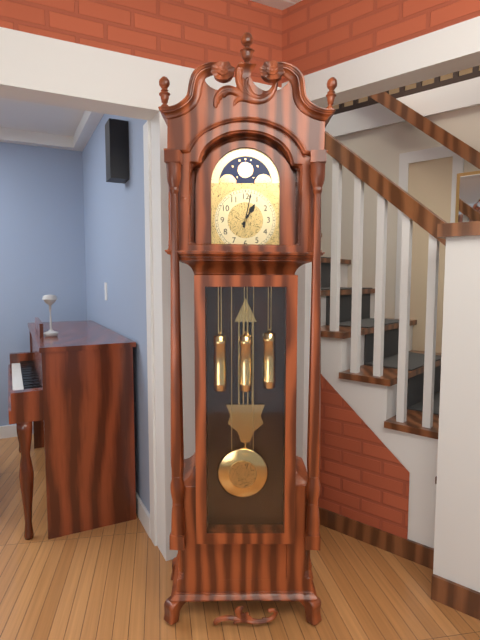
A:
1.02
